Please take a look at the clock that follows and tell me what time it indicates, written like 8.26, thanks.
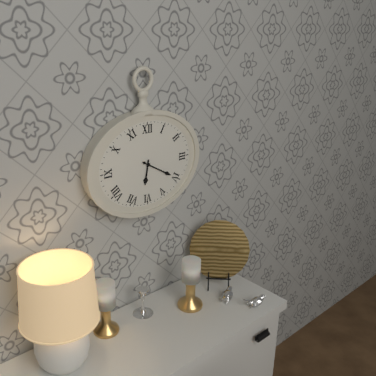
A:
6.20
